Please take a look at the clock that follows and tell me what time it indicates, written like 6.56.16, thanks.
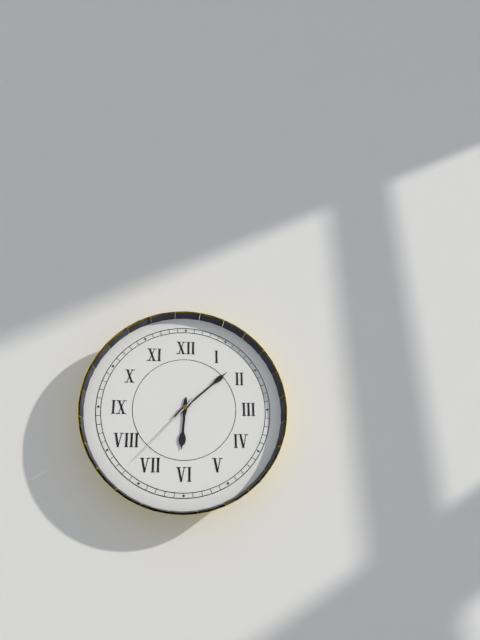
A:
6.08.37
